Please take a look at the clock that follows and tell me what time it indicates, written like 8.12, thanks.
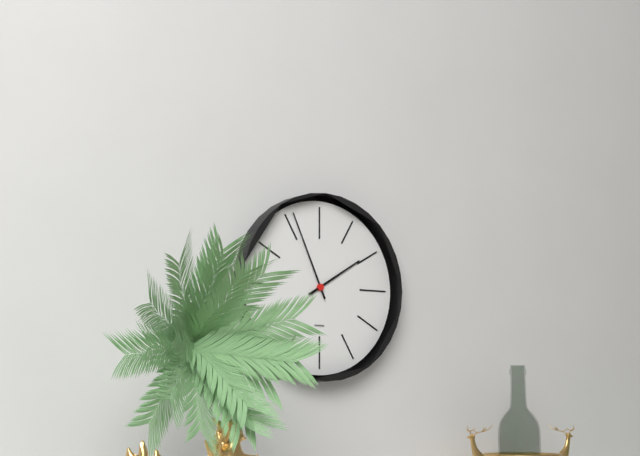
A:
1.56
